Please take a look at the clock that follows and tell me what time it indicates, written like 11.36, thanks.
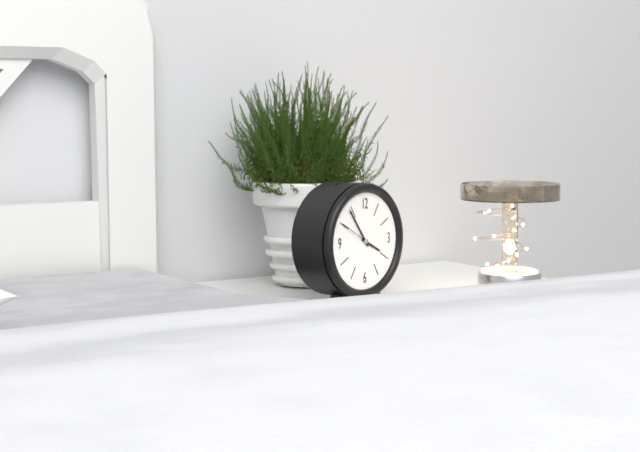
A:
3.54
